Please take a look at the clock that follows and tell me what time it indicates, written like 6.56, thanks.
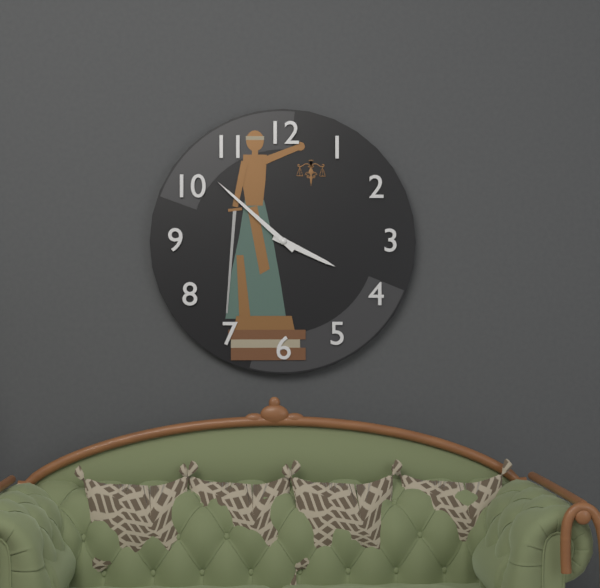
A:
3.52
